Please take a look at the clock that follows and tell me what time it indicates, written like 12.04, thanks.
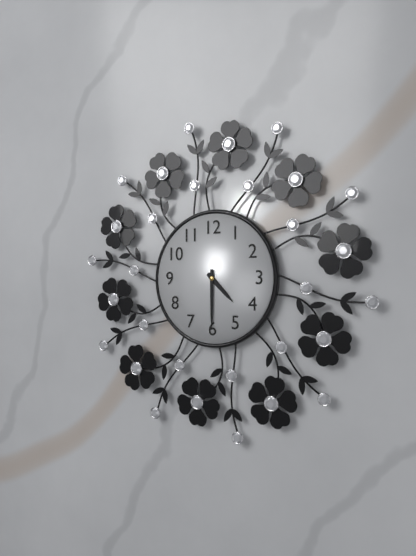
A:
4.30
